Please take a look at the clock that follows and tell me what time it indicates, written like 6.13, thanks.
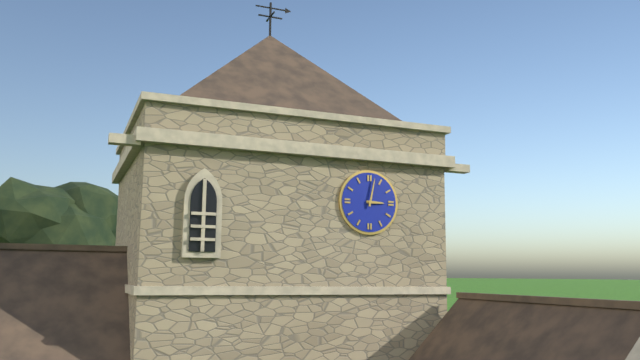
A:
3.02
